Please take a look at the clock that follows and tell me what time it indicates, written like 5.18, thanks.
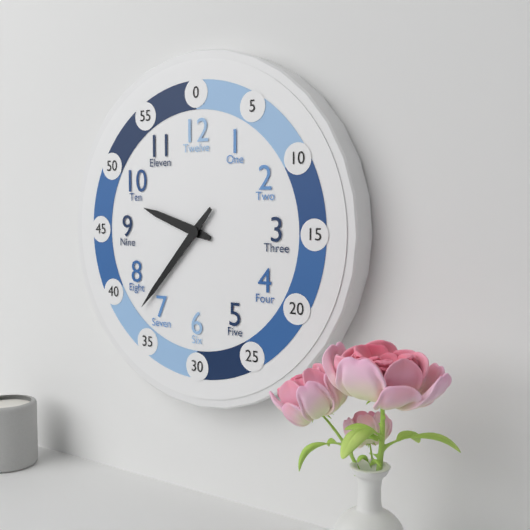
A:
9.37
